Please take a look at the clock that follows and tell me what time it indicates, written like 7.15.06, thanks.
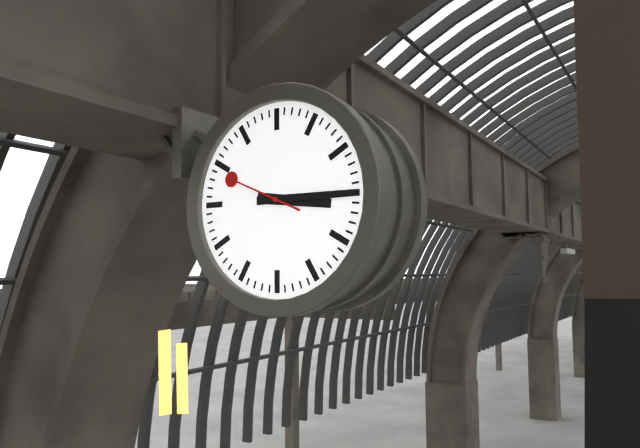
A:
3.15.49
